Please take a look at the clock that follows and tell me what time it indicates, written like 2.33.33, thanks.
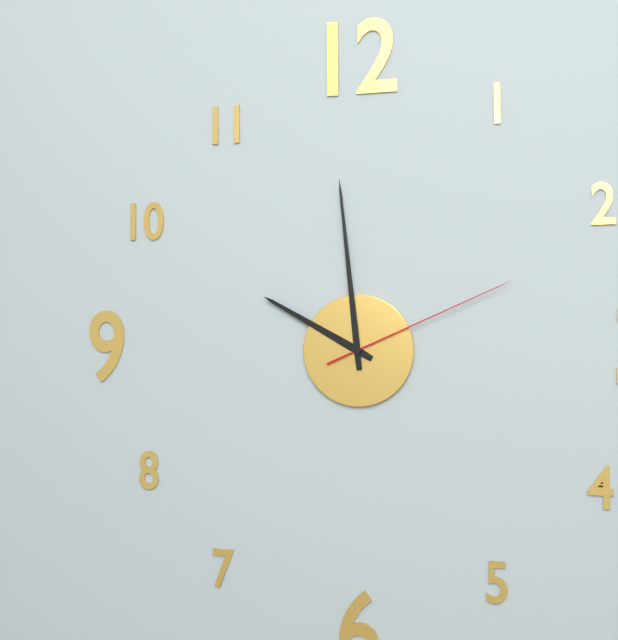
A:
9.59.11
